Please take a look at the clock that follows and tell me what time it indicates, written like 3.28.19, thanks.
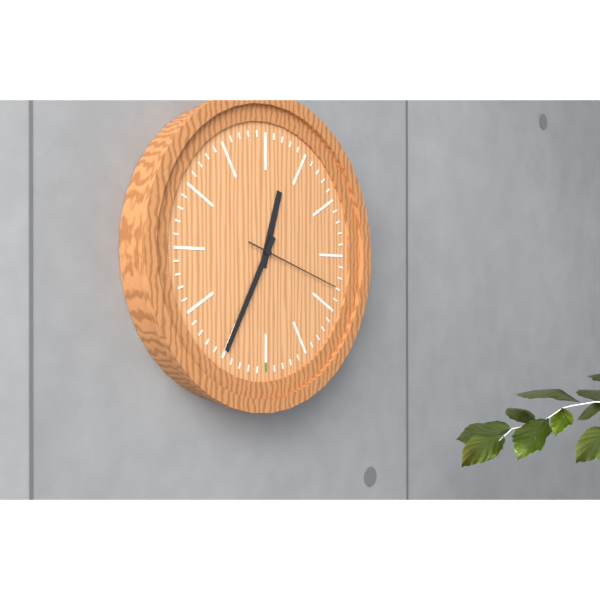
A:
12.35.18
